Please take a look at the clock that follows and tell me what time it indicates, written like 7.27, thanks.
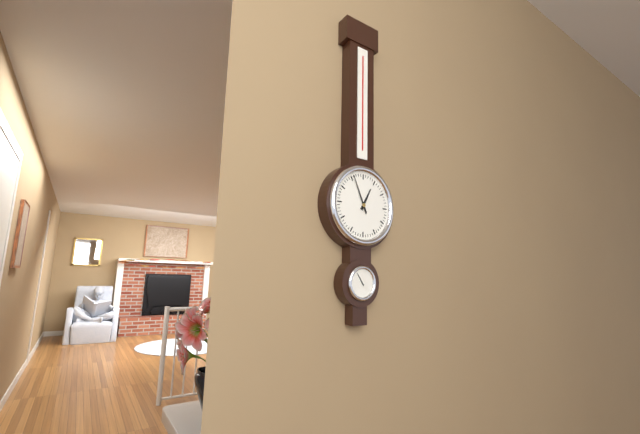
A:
12.56
